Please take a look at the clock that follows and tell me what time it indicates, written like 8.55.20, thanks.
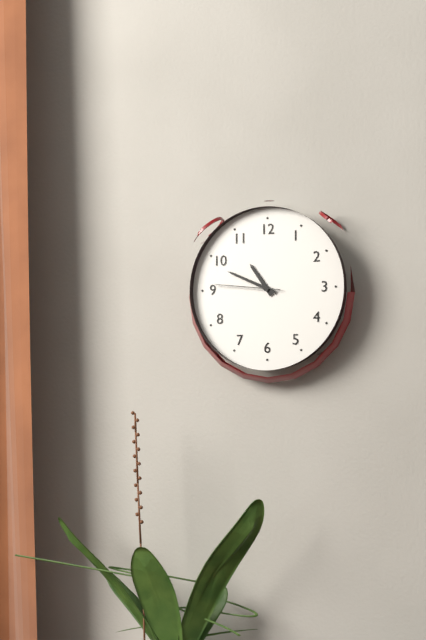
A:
10.49.46
